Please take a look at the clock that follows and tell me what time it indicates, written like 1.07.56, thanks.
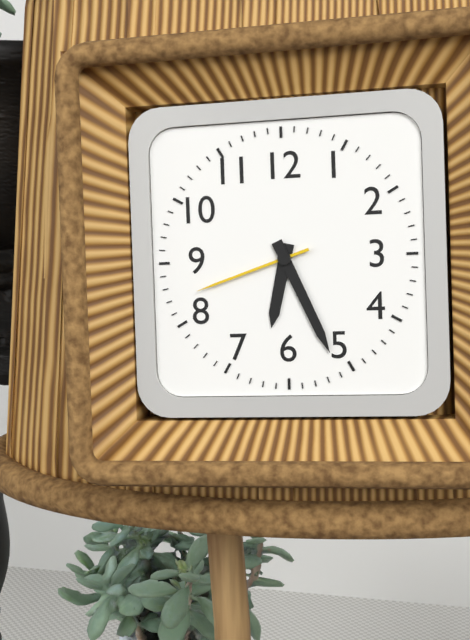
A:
6.26.42
